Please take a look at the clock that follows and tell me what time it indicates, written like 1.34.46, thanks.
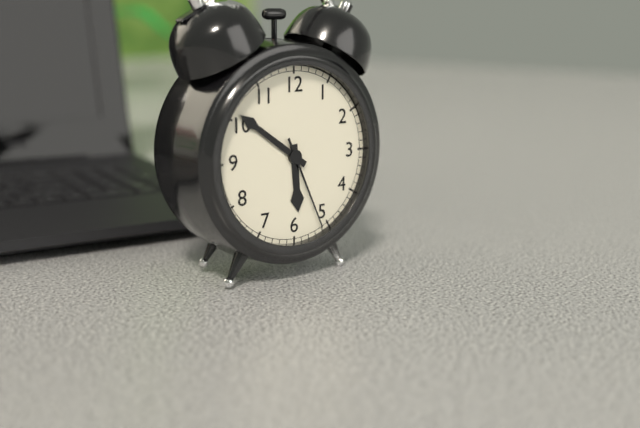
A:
5.51.26
